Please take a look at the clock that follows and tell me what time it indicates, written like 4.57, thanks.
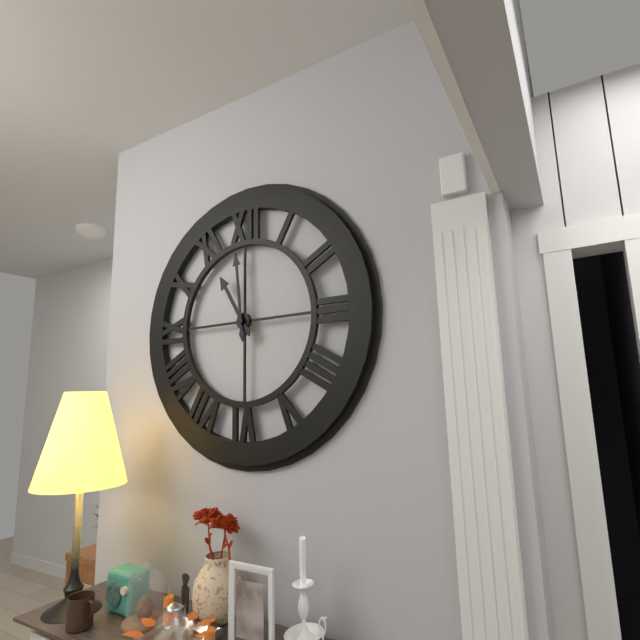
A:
10.59
